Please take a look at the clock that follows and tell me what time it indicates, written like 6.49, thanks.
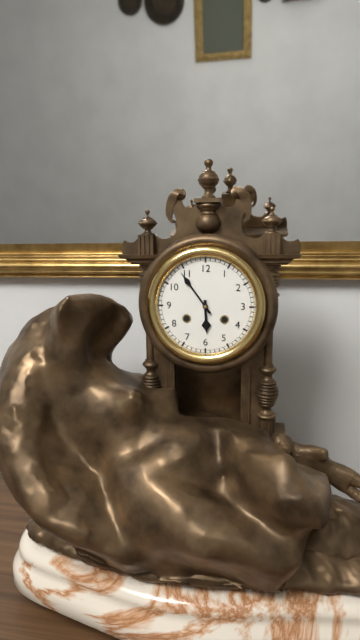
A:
5.54
